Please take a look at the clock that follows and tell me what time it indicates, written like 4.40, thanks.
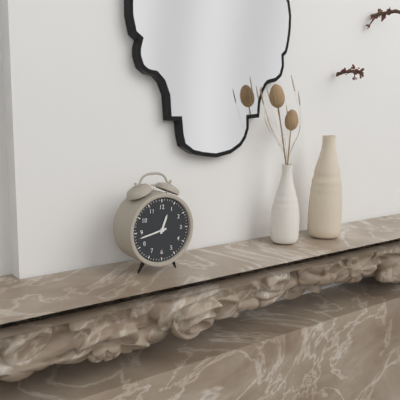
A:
12.43
